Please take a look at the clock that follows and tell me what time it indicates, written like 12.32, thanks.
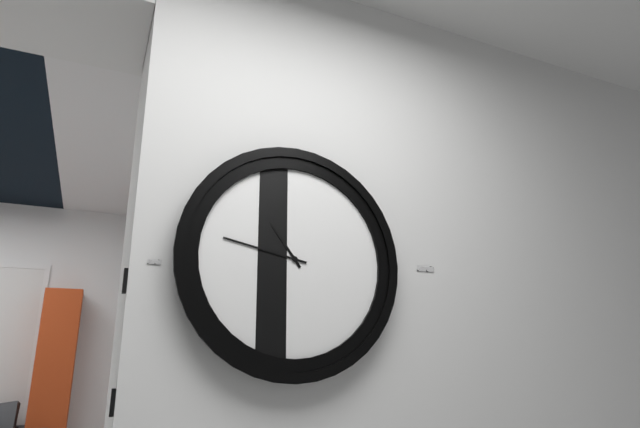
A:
10.47
